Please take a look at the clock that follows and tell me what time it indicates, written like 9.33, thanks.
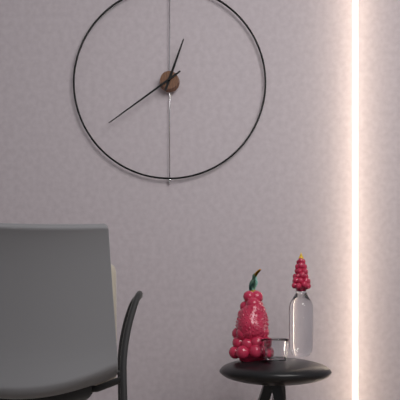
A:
12.39
